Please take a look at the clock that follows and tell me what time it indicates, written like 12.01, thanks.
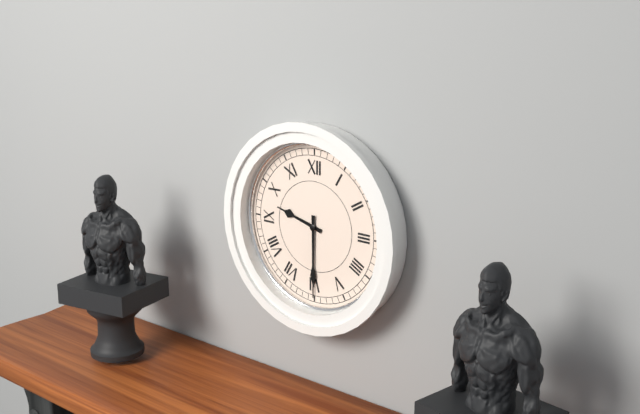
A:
9.30
